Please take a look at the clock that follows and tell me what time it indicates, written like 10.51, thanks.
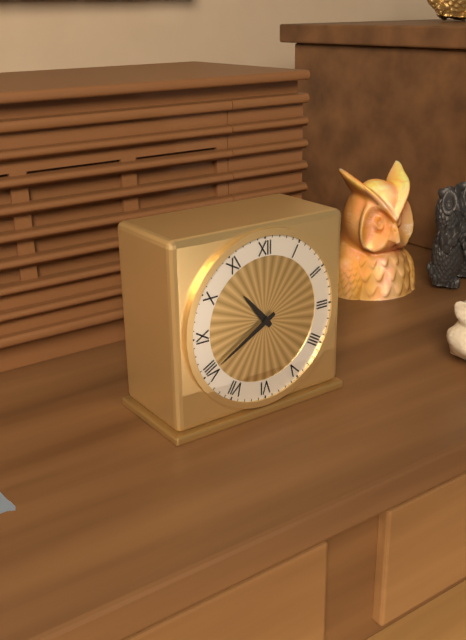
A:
10.40
